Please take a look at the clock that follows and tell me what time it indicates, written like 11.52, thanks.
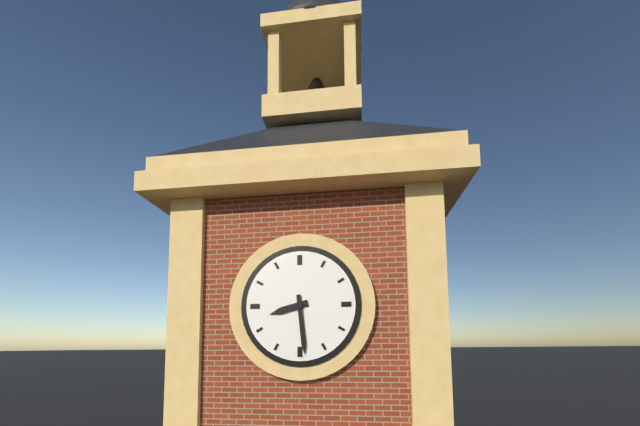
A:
8.29
